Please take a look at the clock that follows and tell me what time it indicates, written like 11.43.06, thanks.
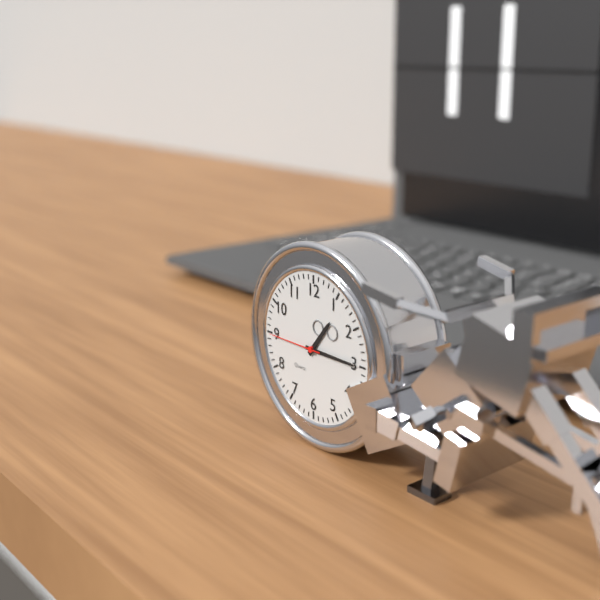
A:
1.15.45
